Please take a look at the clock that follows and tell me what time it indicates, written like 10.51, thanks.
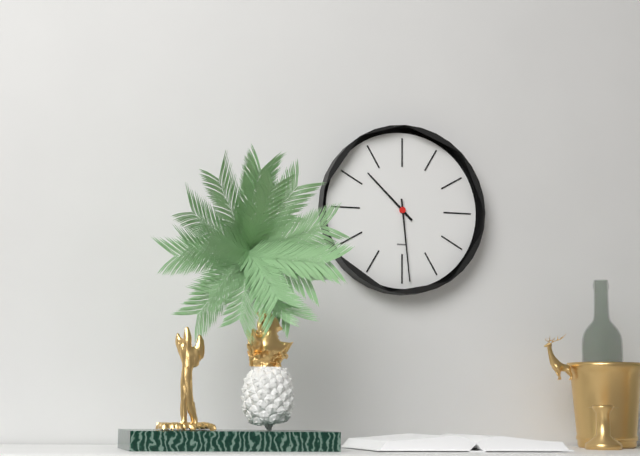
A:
10.29
